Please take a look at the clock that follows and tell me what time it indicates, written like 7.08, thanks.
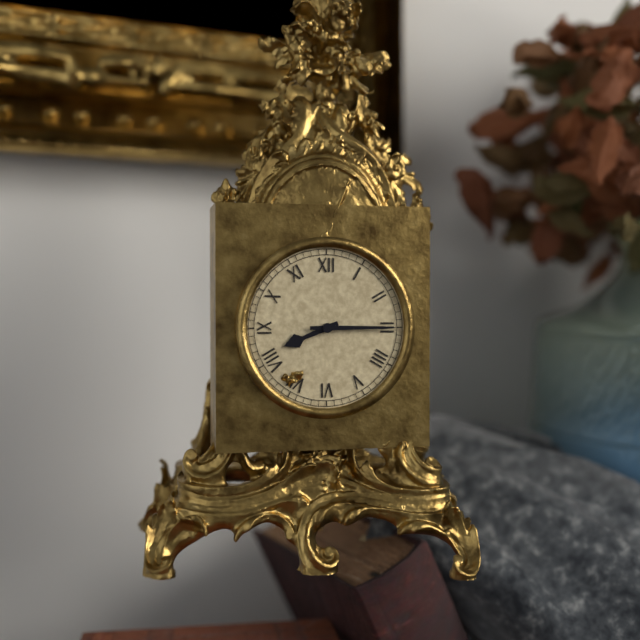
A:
8.15
